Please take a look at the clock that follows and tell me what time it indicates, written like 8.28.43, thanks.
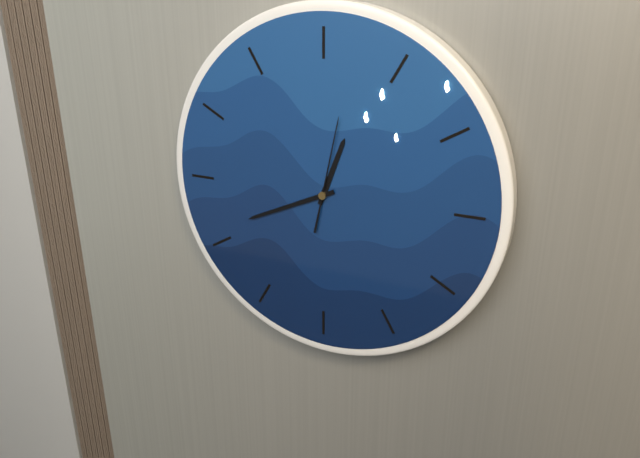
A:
12.41.02
